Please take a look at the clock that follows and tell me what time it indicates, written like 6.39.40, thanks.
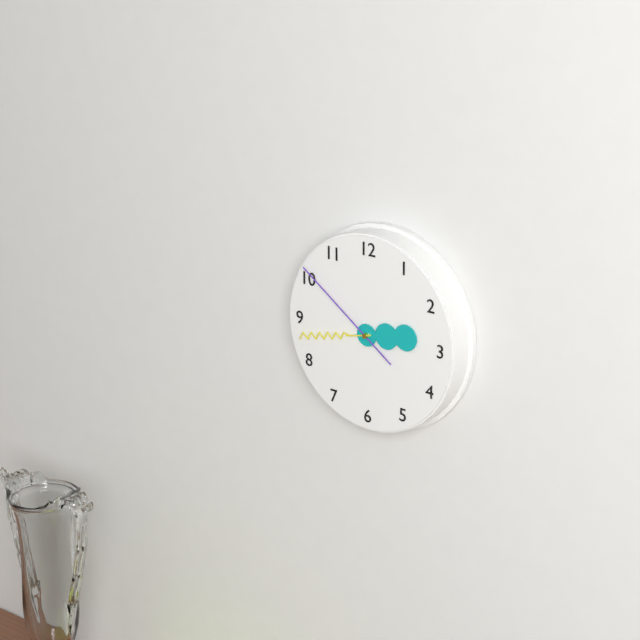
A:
2.43.51
